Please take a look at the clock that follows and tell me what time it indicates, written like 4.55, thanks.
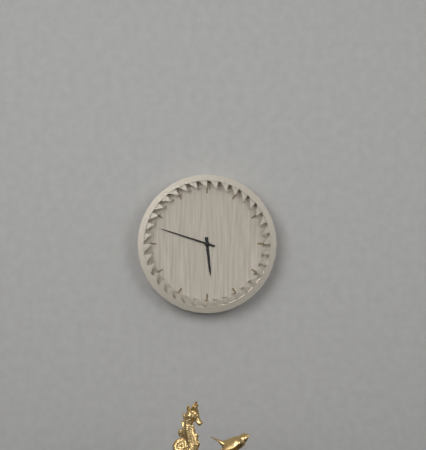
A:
5.48
